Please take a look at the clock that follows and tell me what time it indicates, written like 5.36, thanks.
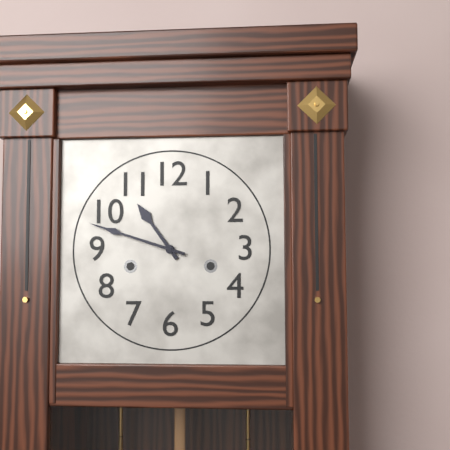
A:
10.48
